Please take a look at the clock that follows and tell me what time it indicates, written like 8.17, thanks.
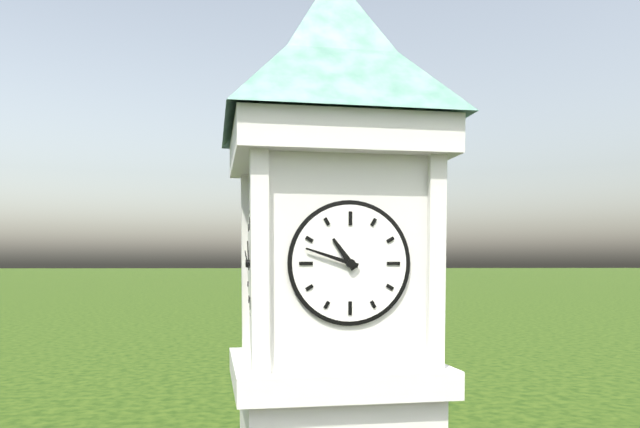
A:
10.48
